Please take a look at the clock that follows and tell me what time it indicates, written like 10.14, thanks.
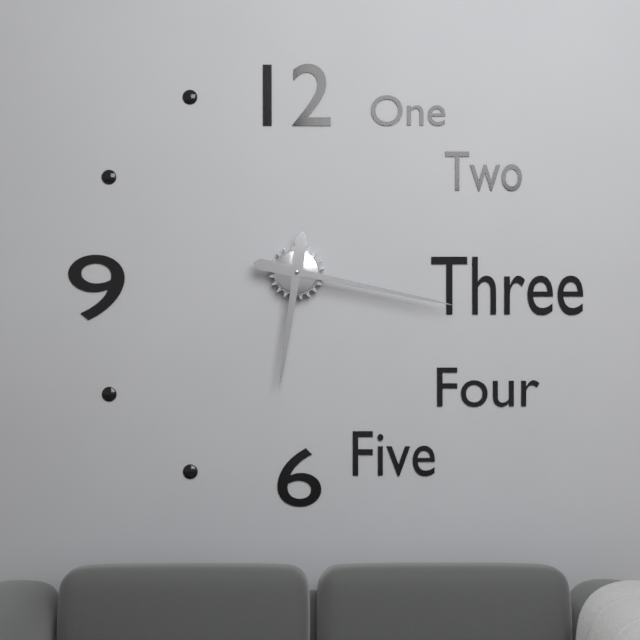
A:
6.17
